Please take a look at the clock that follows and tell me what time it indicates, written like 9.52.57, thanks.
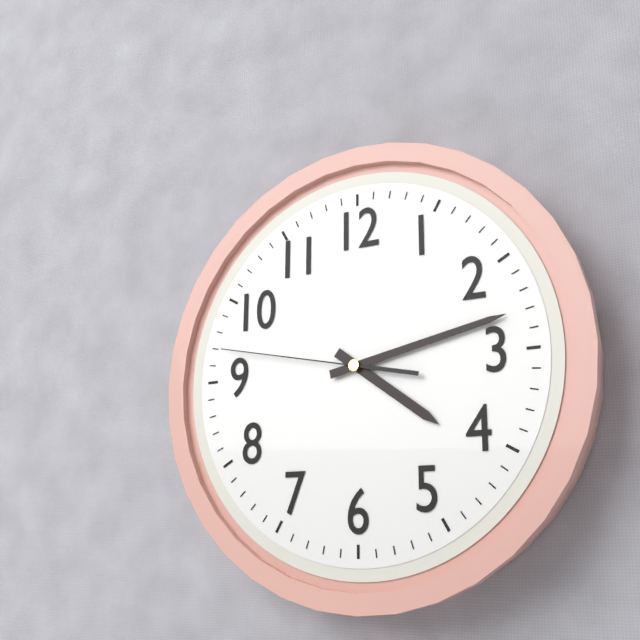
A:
4.13.47
